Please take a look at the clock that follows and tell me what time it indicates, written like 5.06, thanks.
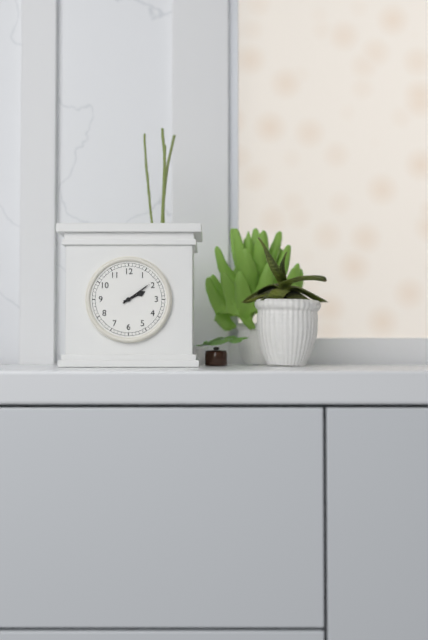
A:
2.09
